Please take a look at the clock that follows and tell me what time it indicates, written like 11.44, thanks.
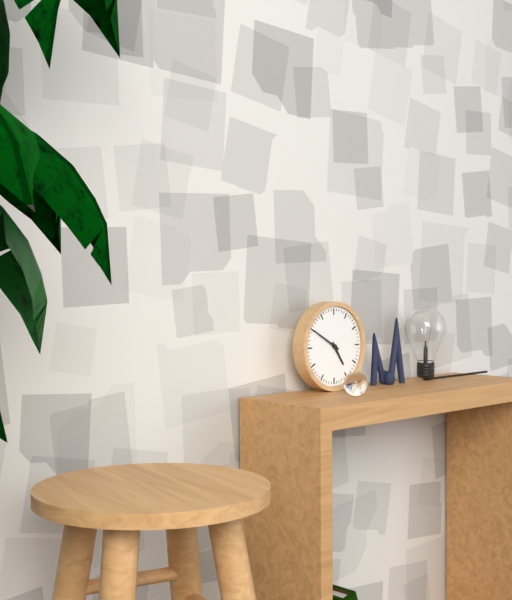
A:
4.50
